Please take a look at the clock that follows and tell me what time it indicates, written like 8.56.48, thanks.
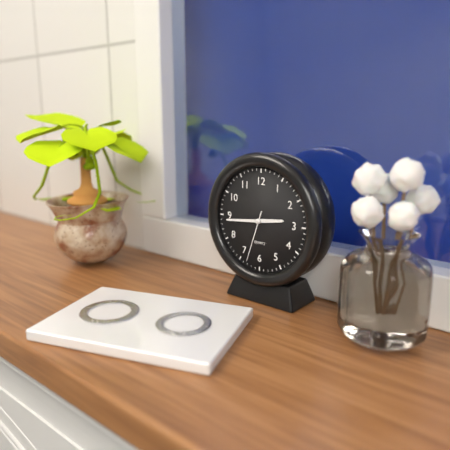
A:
2.44.33
